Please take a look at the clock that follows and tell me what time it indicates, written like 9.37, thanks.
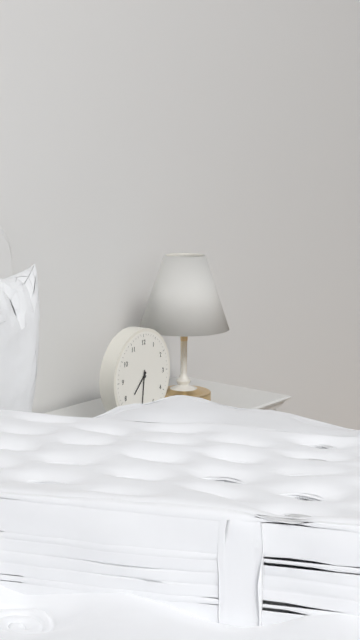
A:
7.31
